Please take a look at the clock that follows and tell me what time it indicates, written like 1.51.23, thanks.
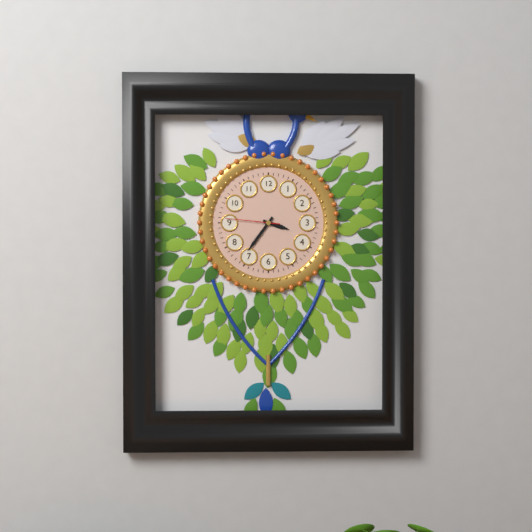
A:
3.36.46
